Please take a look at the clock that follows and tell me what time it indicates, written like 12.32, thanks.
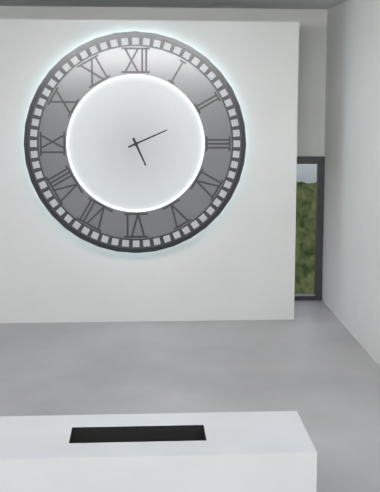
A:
5.11
